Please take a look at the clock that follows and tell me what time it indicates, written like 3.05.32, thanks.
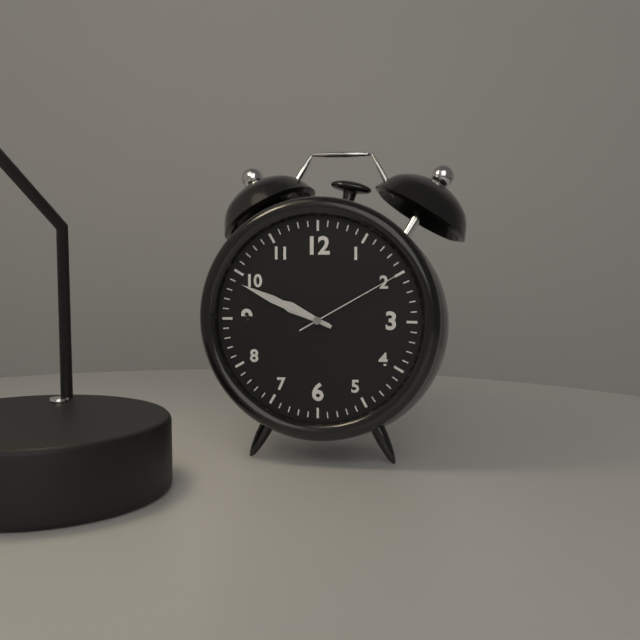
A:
9.49.10
